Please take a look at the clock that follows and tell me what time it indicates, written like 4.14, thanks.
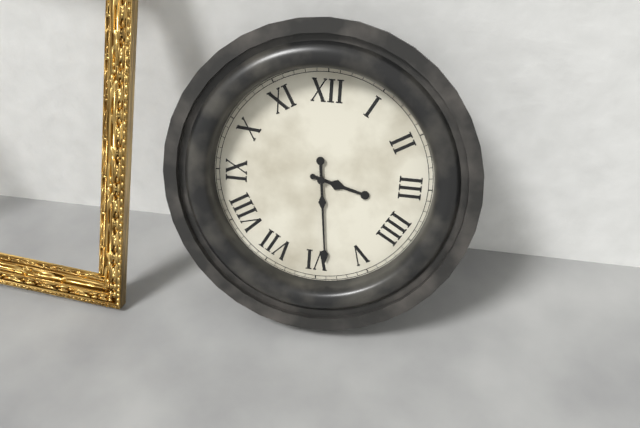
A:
3.29
